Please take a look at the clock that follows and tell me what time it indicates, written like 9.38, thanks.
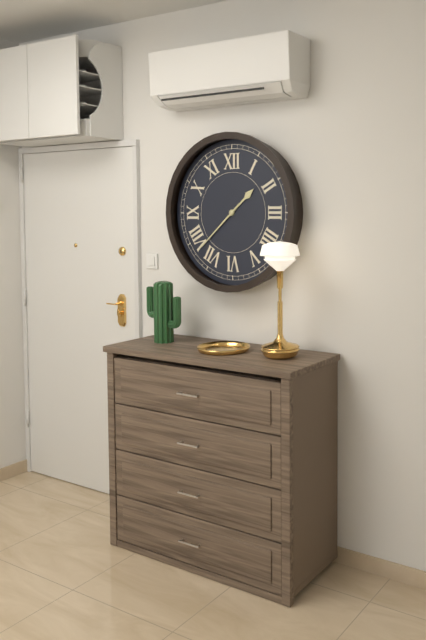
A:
1.38
